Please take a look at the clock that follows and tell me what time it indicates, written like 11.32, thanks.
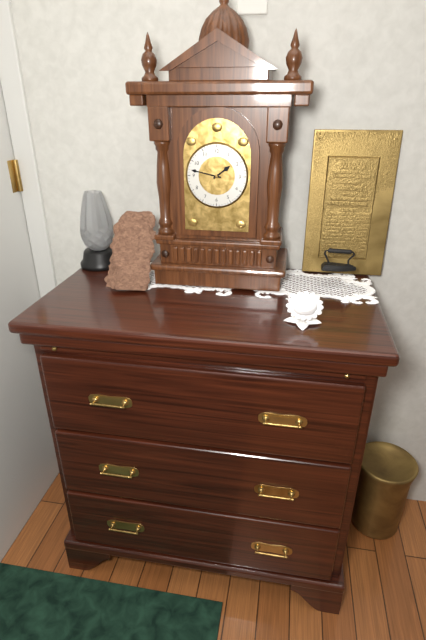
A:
1.47
